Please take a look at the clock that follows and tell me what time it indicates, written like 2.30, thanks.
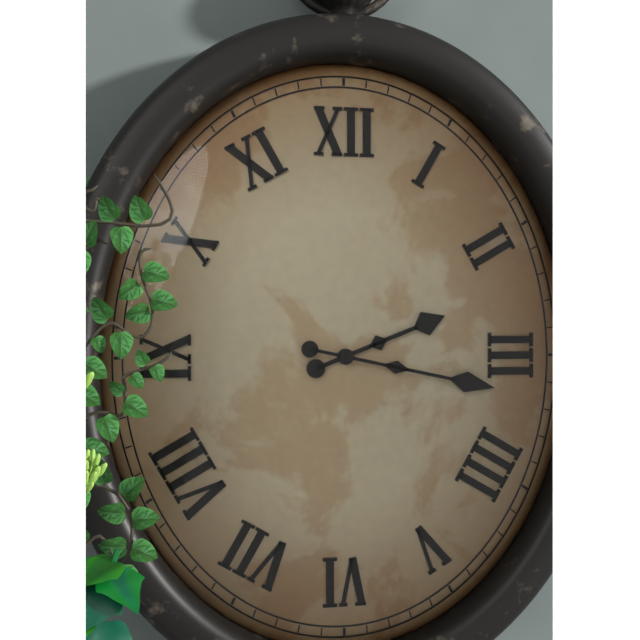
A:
2.17
